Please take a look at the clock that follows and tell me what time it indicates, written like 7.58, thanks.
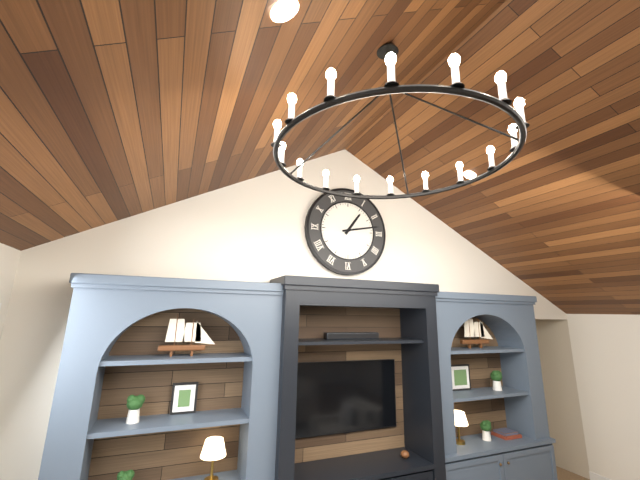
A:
1.13
